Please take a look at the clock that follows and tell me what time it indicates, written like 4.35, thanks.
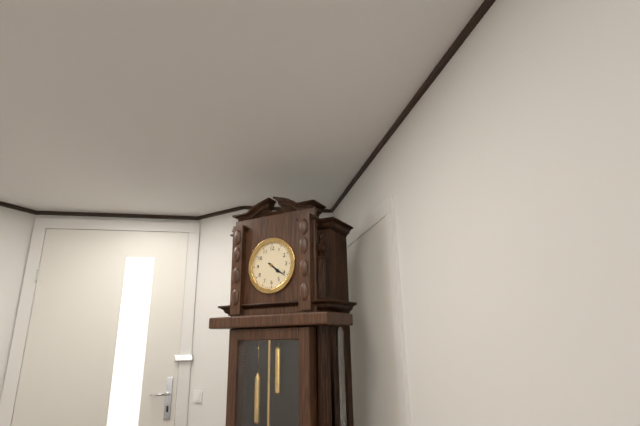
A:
4.21
